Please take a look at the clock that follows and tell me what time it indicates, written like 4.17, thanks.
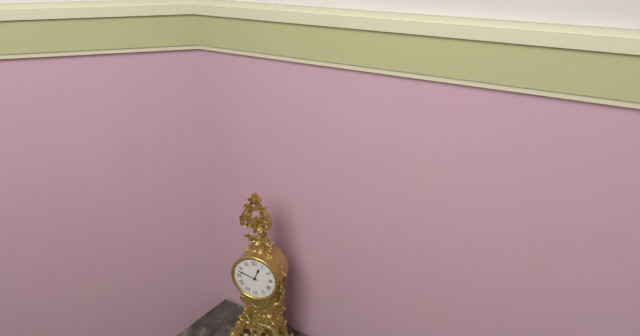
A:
12.48
